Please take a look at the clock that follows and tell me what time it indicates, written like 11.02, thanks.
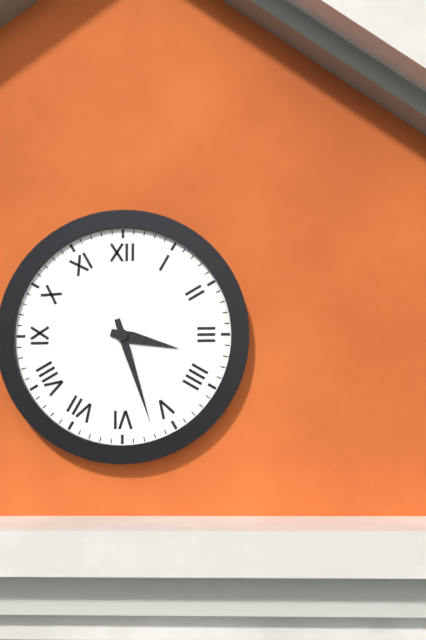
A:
3.27
